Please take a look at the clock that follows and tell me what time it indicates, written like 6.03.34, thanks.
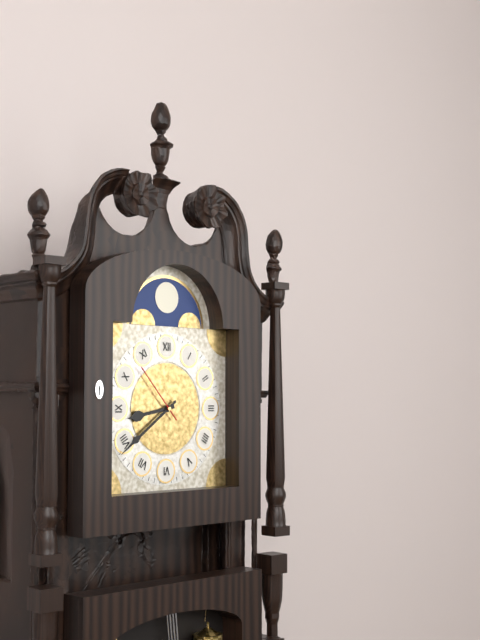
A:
8.39.53
